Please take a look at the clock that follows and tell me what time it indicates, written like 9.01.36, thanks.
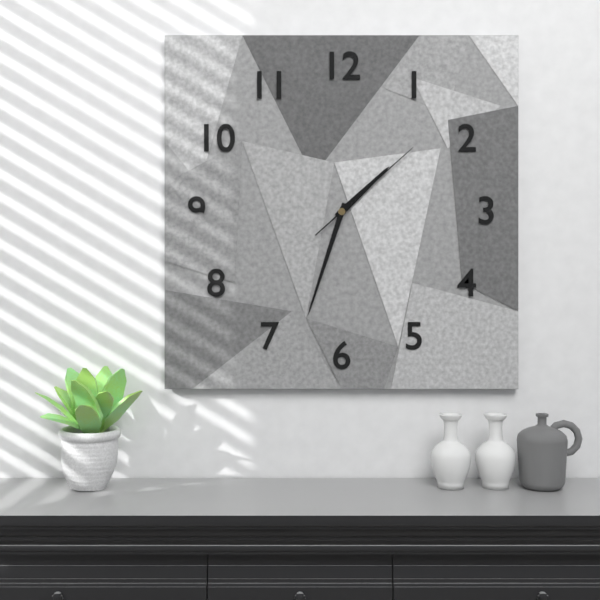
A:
1.33.08
